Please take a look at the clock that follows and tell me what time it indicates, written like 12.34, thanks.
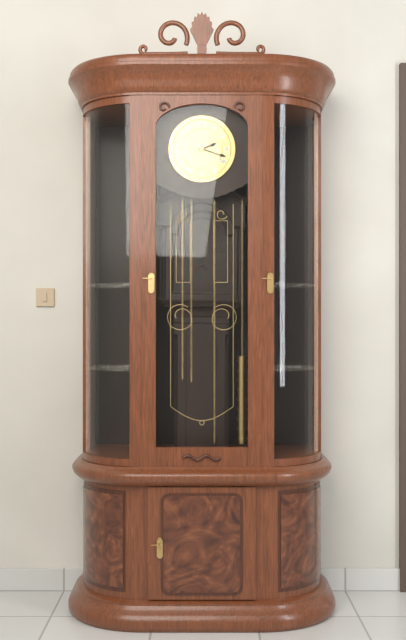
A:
2.18
